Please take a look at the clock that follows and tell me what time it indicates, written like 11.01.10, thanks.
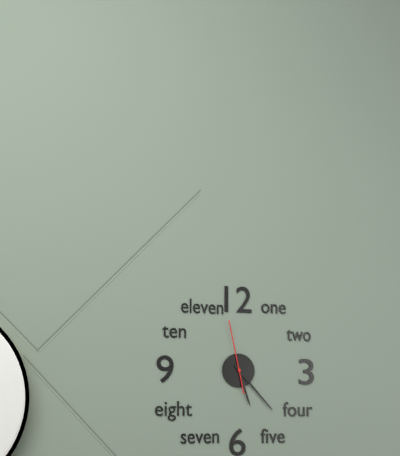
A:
5.23.58
